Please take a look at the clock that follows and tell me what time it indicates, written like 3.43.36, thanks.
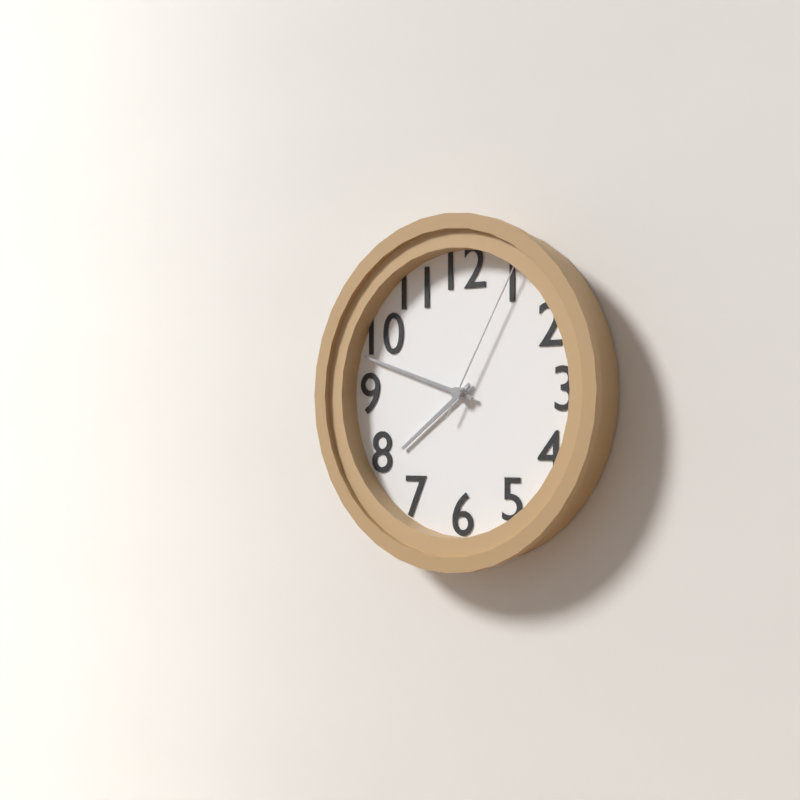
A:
7.48.05
